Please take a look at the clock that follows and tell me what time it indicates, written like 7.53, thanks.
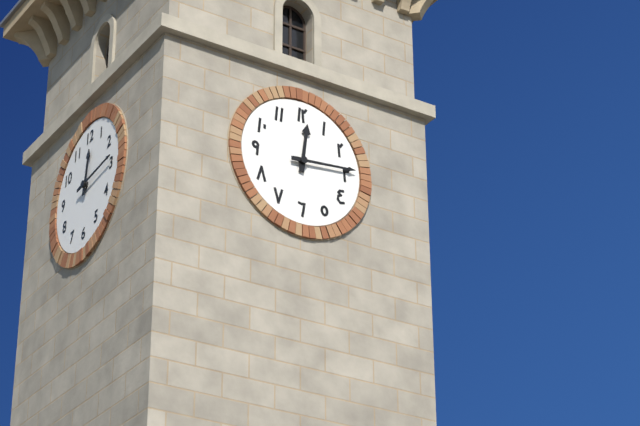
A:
12.14
